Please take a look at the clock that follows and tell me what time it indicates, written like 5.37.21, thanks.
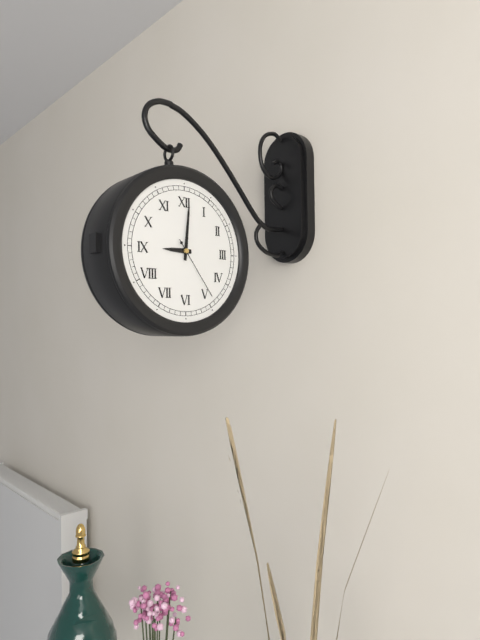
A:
9.01.24
